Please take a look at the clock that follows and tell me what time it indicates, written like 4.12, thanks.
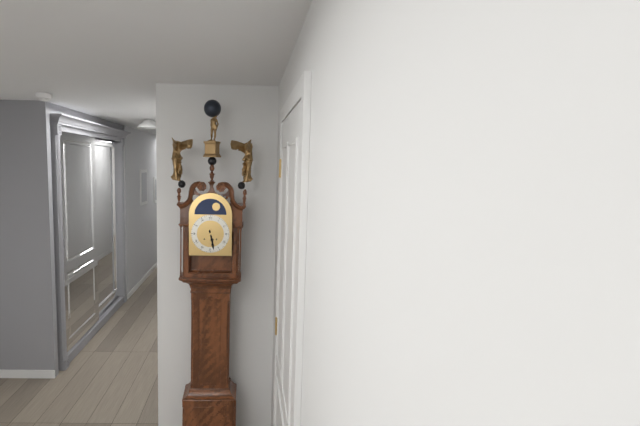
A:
5.28
